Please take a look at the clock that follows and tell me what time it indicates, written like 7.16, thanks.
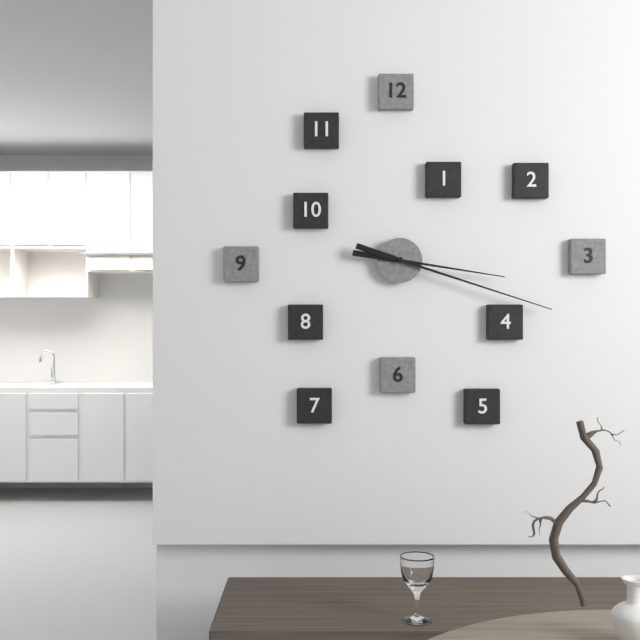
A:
3.18
